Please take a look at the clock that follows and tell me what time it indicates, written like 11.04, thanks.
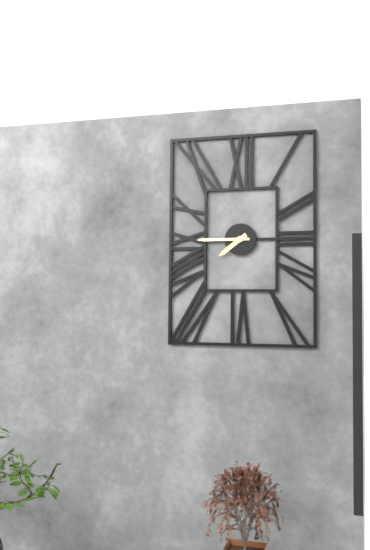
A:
7.45
